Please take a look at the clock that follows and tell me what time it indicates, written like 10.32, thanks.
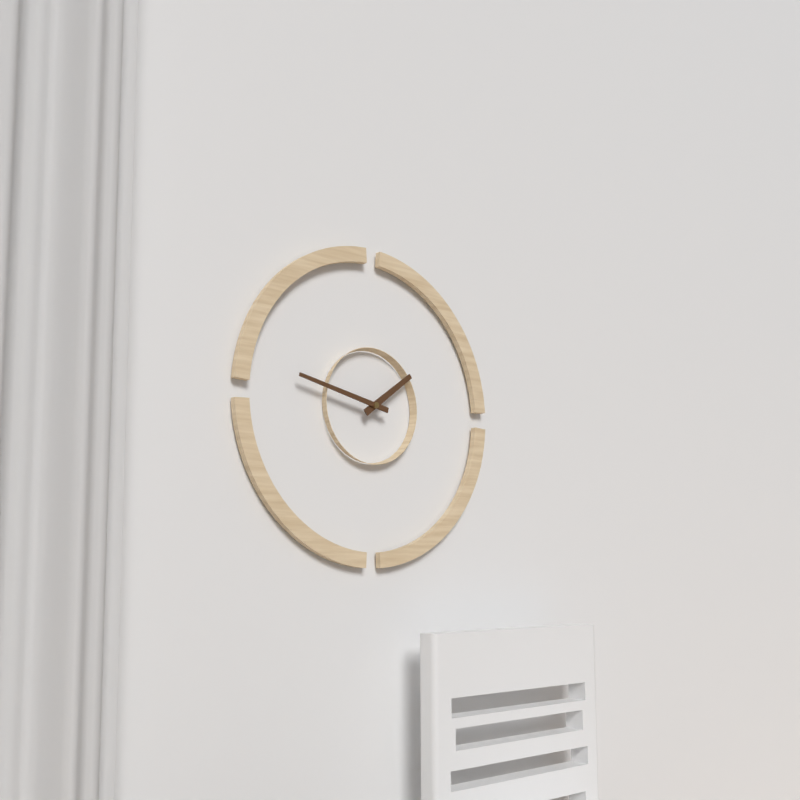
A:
1.47
